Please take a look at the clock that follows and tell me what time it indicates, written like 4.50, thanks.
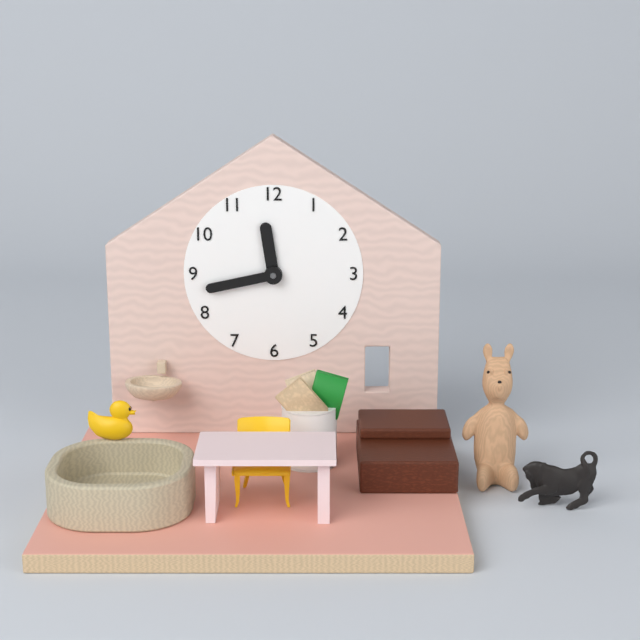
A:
11.43
